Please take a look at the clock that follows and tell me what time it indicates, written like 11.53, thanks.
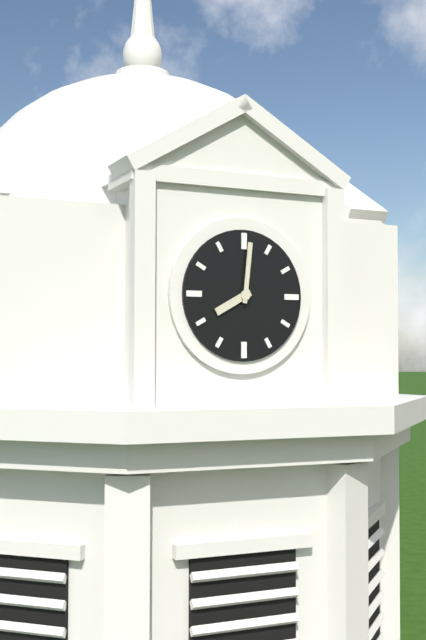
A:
8.01
